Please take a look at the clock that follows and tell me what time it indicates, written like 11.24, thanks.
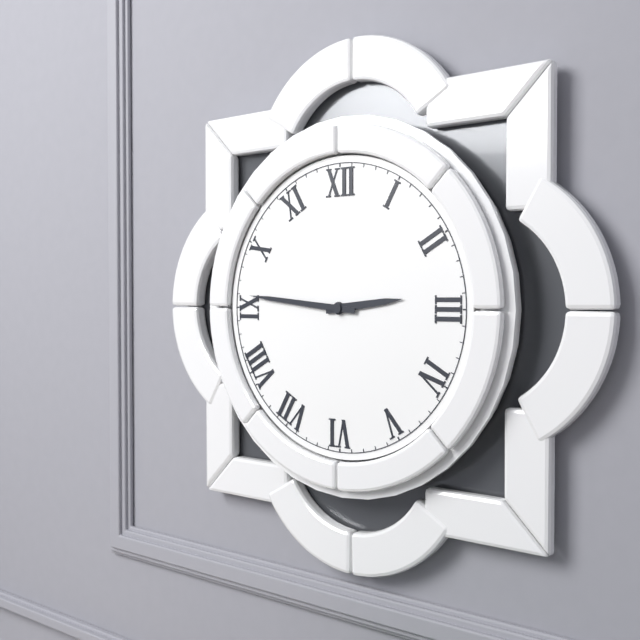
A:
2.46
